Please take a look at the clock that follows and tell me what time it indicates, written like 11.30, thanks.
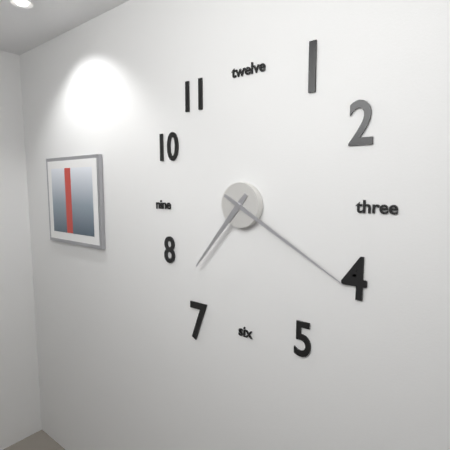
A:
7.20
